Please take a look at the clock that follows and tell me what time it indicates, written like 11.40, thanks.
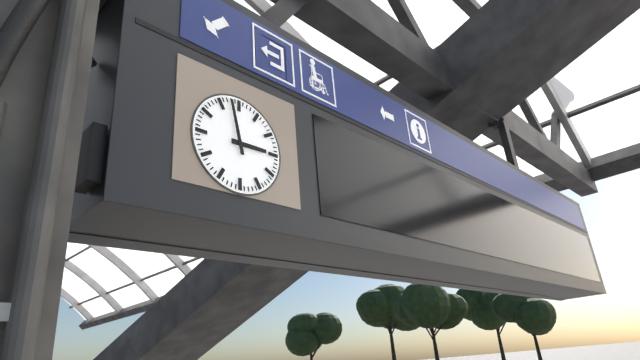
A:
2.58
